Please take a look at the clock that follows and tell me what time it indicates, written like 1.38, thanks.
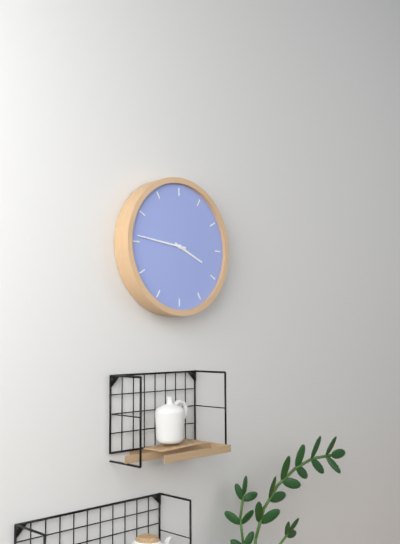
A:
3.46
